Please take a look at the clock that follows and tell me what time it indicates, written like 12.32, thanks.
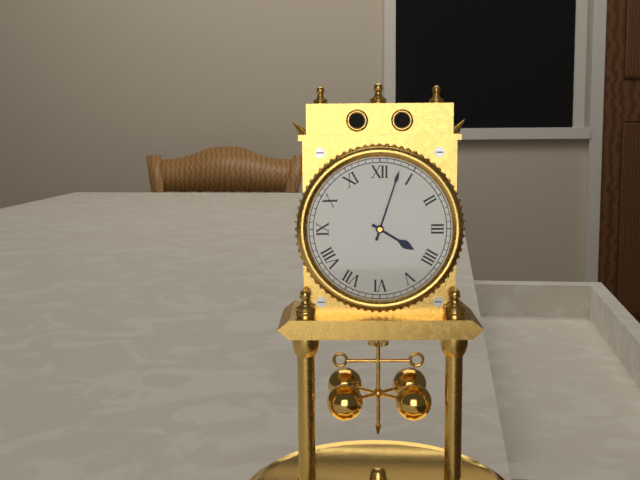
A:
4.03
